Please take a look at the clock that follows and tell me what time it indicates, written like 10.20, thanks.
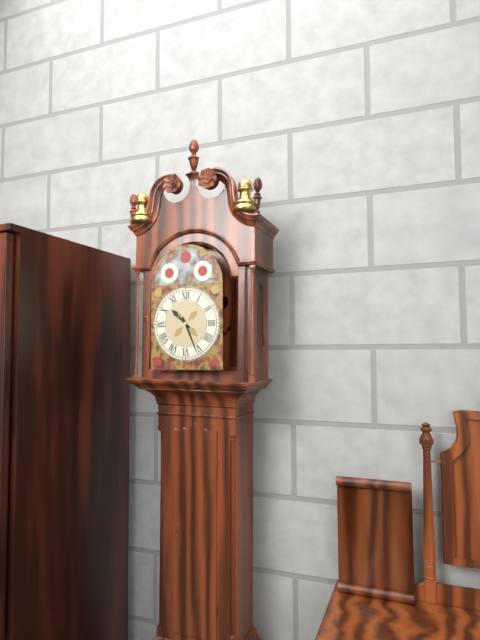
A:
10.26
